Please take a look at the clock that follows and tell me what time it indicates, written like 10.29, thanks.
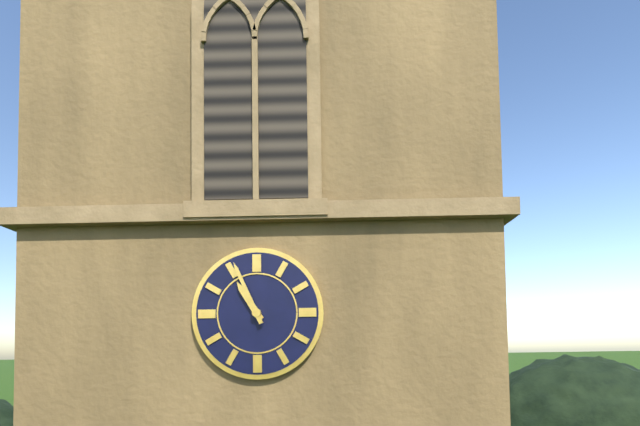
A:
10.56
